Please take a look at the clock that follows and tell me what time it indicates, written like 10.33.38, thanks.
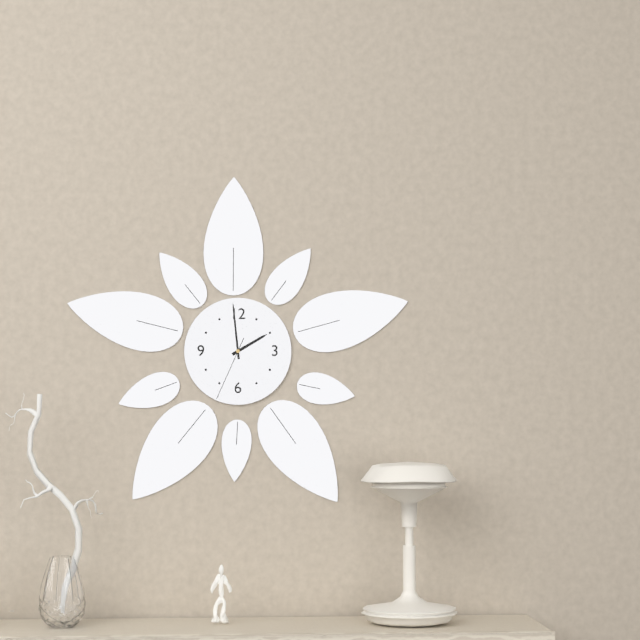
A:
1.59.34
